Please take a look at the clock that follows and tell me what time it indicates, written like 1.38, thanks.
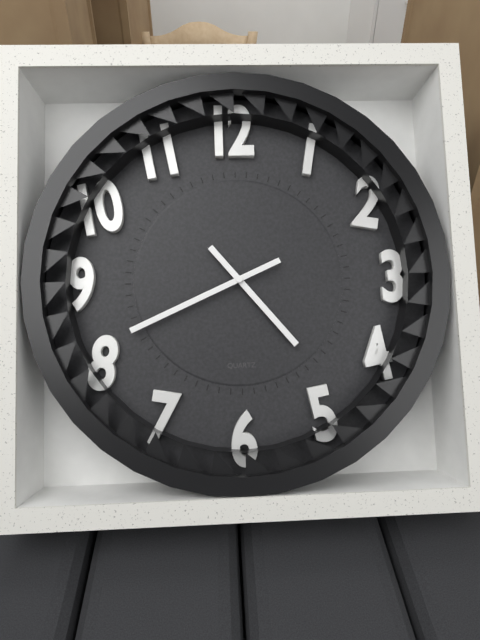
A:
4.41
